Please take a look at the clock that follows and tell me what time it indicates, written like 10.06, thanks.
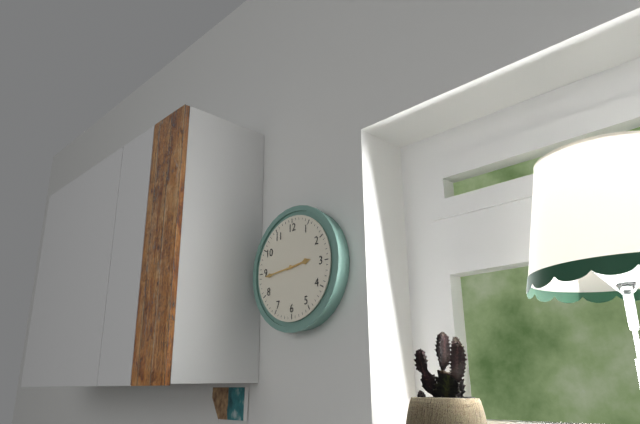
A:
2.44
